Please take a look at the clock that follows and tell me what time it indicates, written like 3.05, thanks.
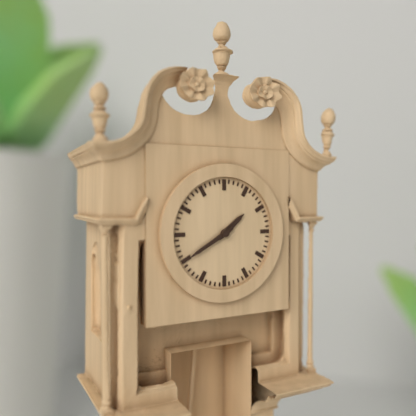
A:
1.40
